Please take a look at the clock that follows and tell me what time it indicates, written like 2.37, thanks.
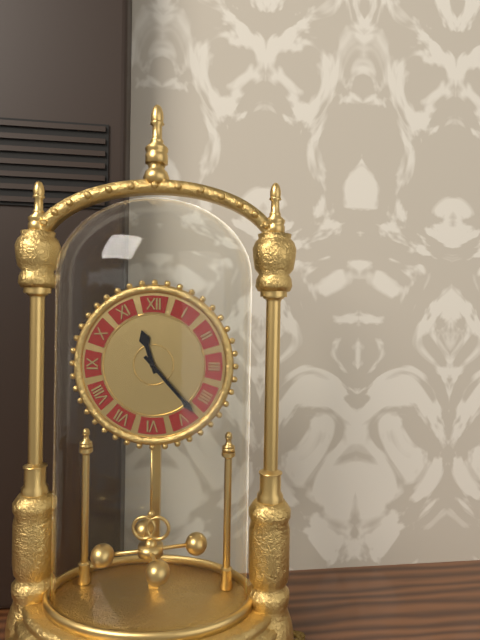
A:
11.23
